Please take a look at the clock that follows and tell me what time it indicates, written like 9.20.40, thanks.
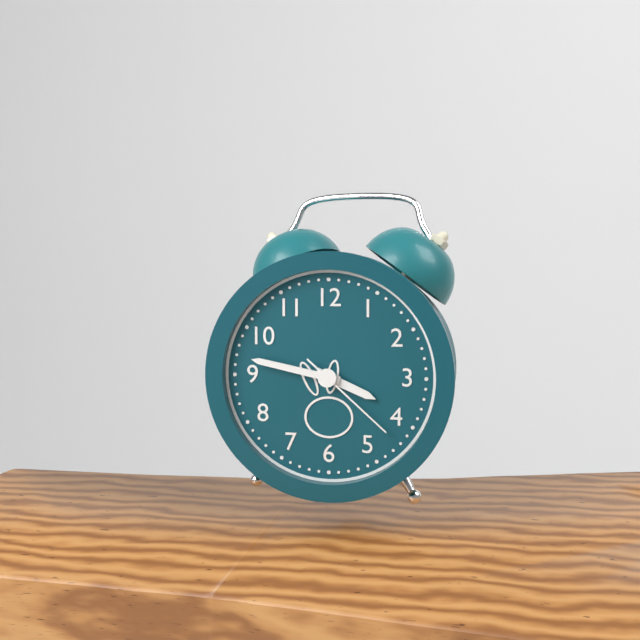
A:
3.47.22
